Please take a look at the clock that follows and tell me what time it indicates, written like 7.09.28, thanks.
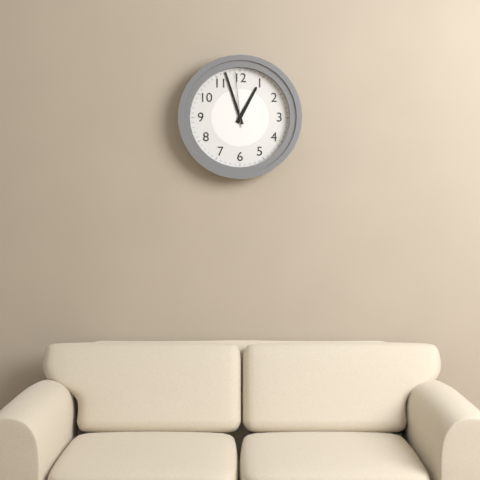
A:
12.57.59
